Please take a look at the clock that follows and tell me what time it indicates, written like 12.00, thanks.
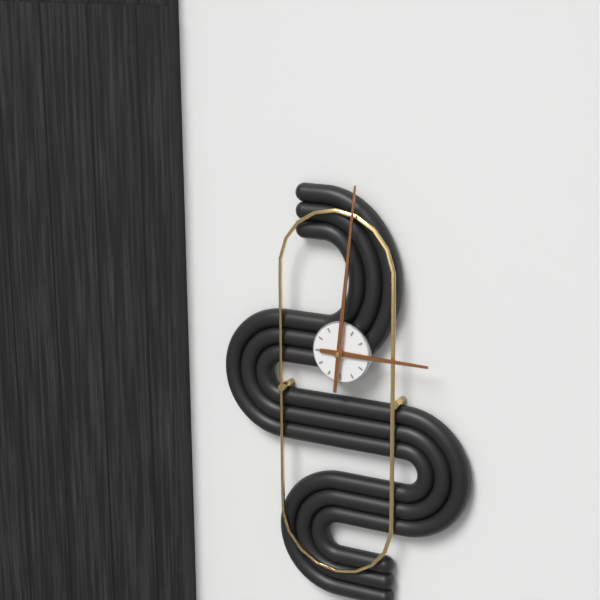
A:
3.01
